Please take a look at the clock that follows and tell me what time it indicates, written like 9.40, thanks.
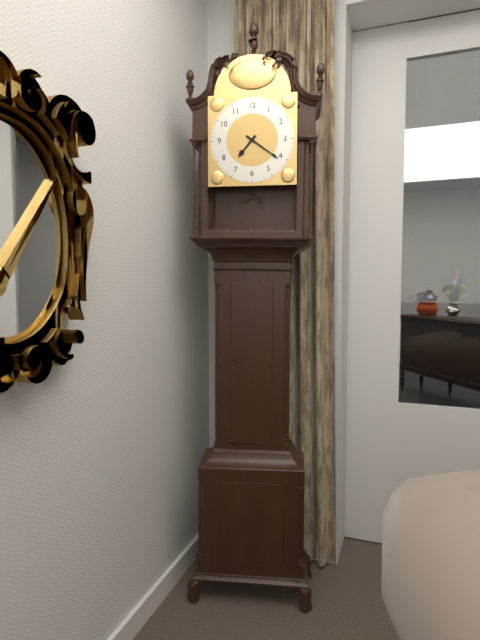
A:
7.21
